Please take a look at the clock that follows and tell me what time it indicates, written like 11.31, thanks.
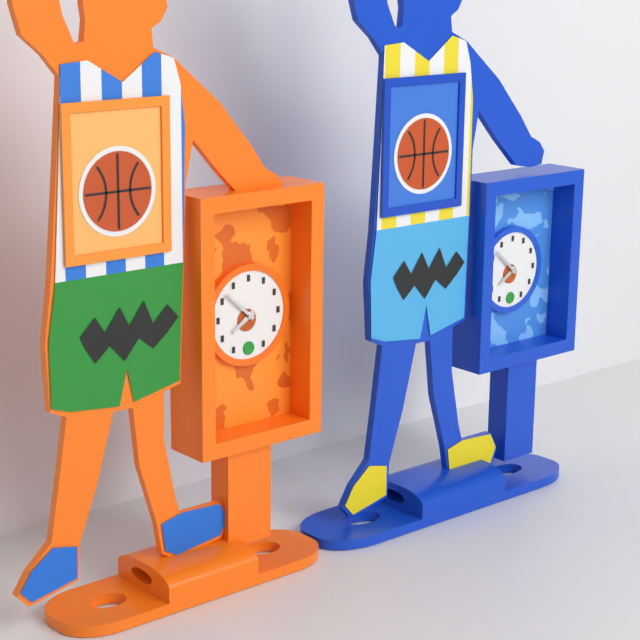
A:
7.52
